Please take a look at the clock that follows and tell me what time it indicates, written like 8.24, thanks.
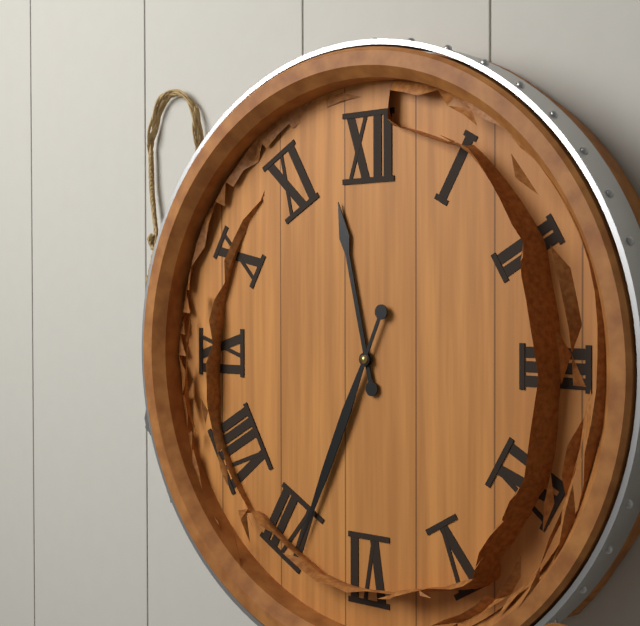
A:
11.34
